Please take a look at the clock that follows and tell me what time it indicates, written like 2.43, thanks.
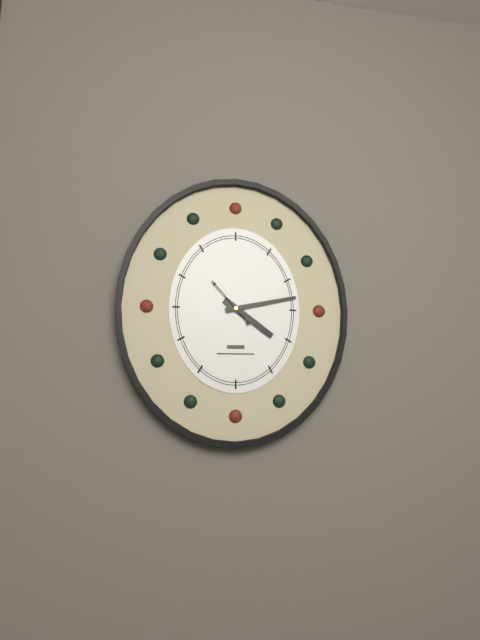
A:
4.13
